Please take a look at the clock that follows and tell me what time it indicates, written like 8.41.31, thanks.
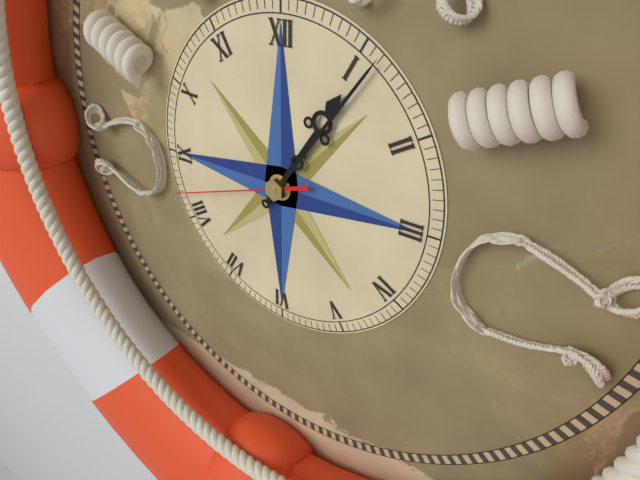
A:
1.06.42
